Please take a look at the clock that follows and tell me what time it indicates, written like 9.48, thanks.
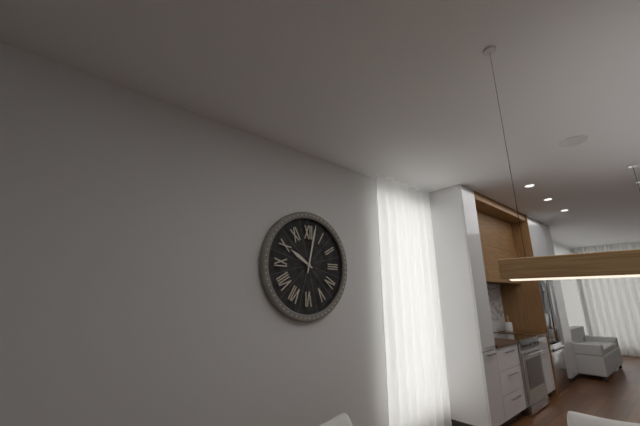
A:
10.02
